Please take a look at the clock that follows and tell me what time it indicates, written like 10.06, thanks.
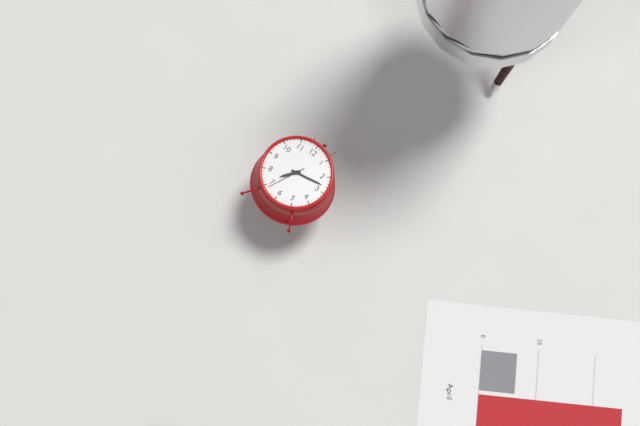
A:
7.13
